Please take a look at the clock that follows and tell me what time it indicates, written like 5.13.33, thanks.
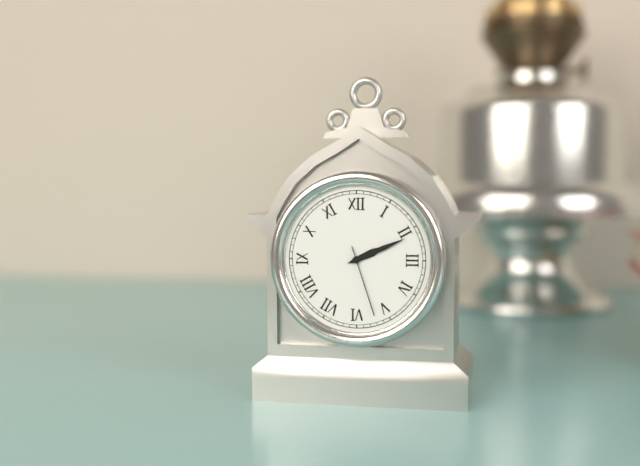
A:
2.11.27
